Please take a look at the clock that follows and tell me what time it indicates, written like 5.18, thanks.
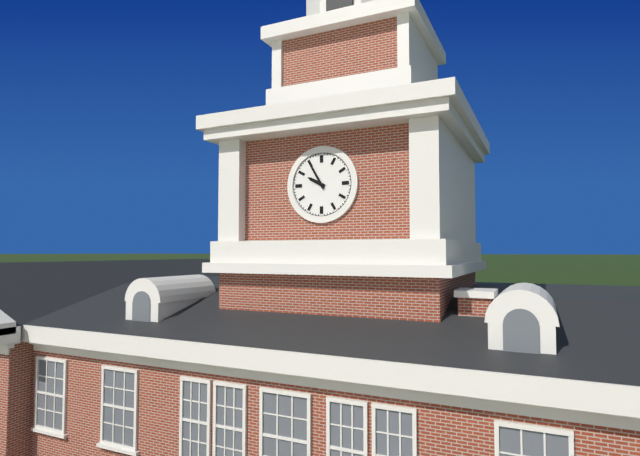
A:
9.55
